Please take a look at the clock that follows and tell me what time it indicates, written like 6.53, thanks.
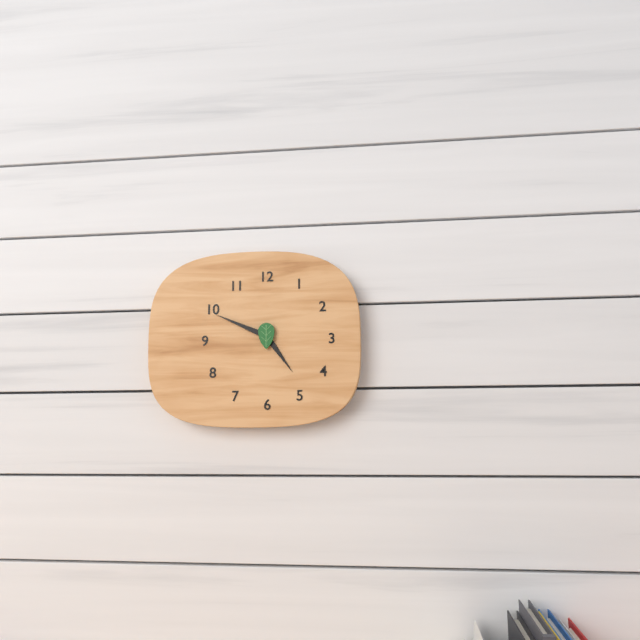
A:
4.49
